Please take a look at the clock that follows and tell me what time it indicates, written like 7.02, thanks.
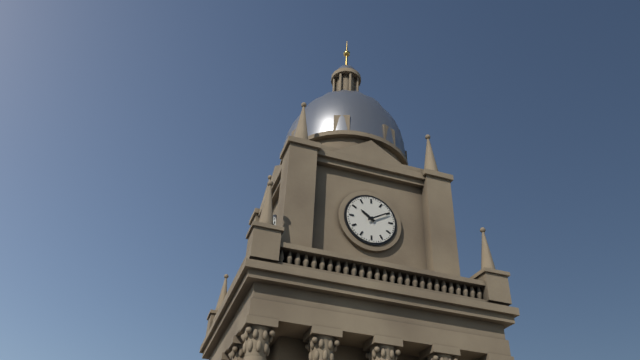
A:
10.10
